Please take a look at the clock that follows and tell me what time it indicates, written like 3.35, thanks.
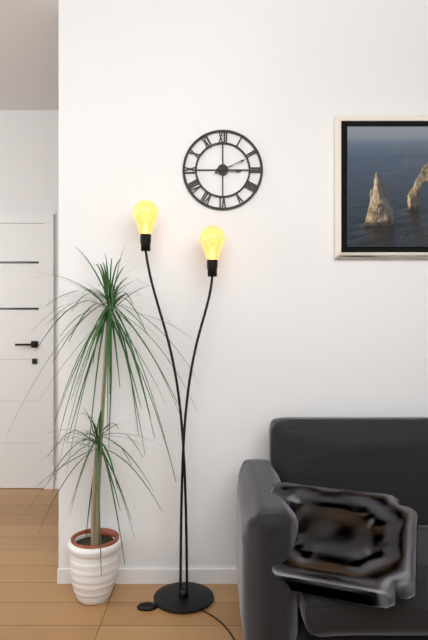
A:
3.11
